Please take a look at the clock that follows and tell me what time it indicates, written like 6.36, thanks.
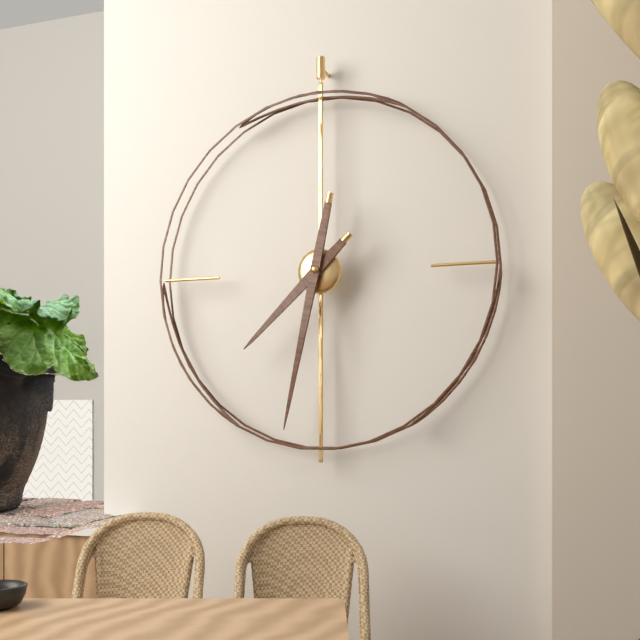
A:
7.32
